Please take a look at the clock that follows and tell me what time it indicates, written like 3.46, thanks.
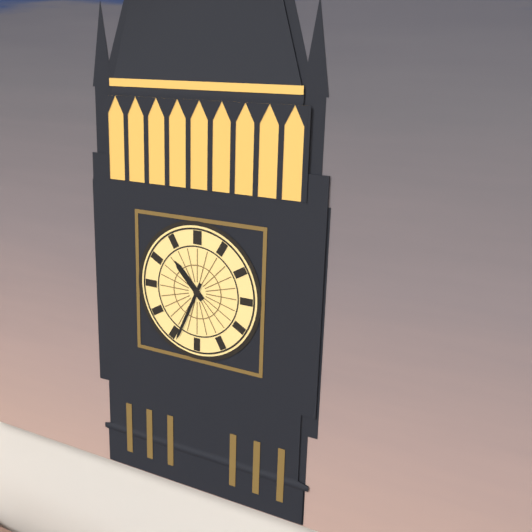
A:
10.34
